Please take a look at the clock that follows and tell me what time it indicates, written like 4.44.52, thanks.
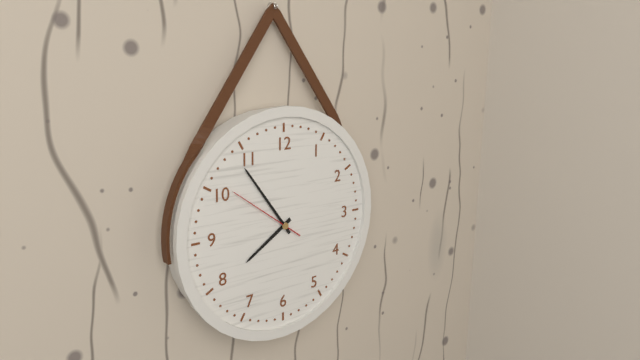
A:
7.54.51
